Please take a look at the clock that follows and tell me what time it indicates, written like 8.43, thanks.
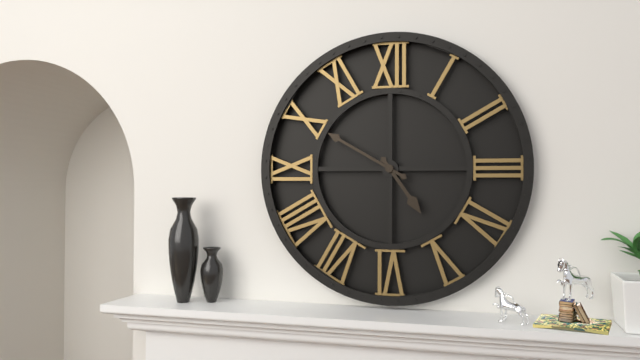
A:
4.50
